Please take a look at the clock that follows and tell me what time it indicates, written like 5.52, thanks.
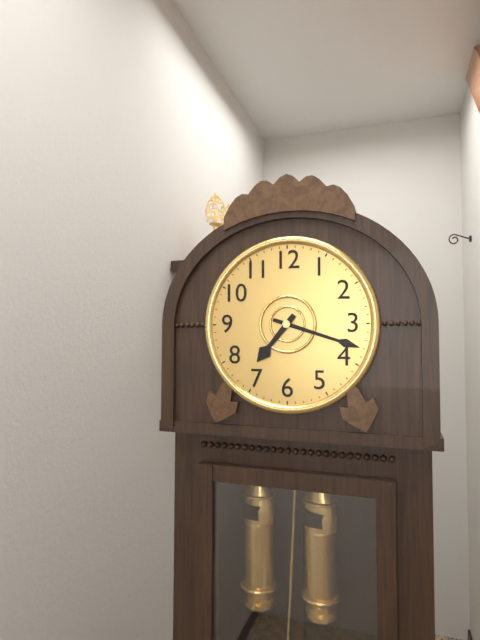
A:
7.18
